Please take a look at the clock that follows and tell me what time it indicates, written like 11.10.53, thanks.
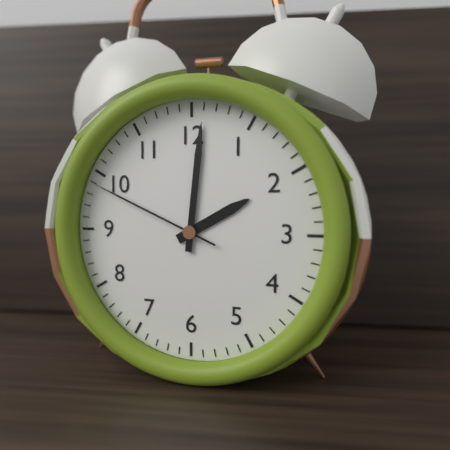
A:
2.01.49
